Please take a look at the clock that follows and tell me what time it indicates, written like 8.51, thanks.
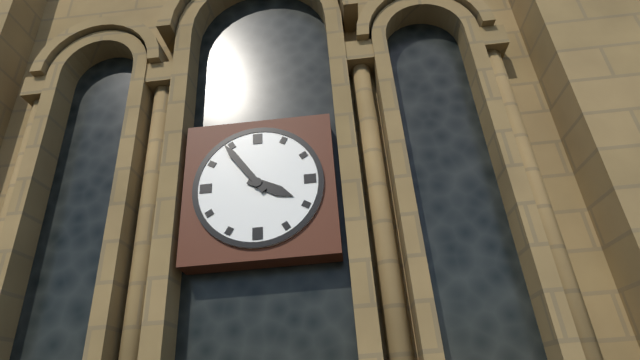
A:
3.54
